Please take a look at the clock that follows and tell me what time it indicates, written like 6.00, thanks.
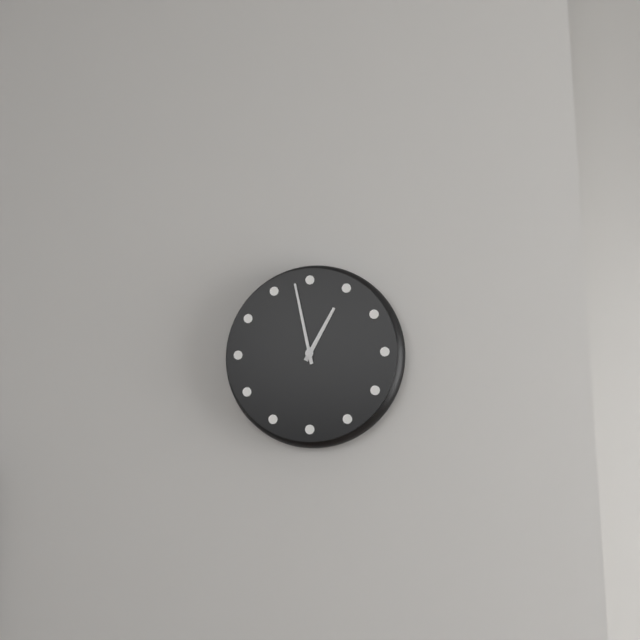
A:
12.58
